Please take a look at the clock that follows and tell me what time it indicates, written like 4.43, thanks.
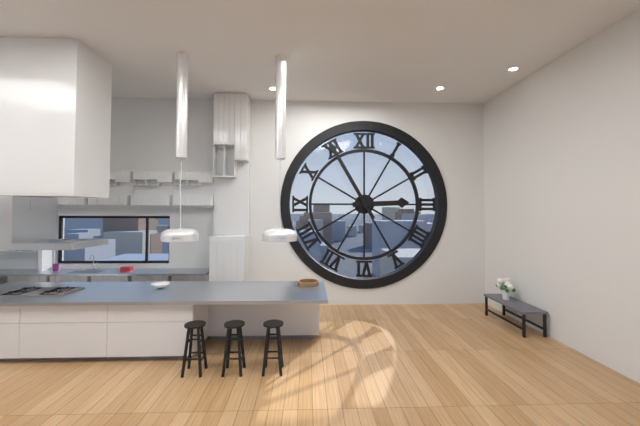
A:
2.55
